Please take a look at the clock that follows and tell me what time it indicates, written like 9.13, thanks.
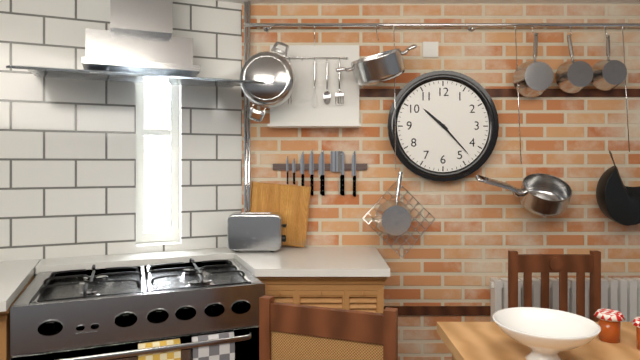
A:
10.23
